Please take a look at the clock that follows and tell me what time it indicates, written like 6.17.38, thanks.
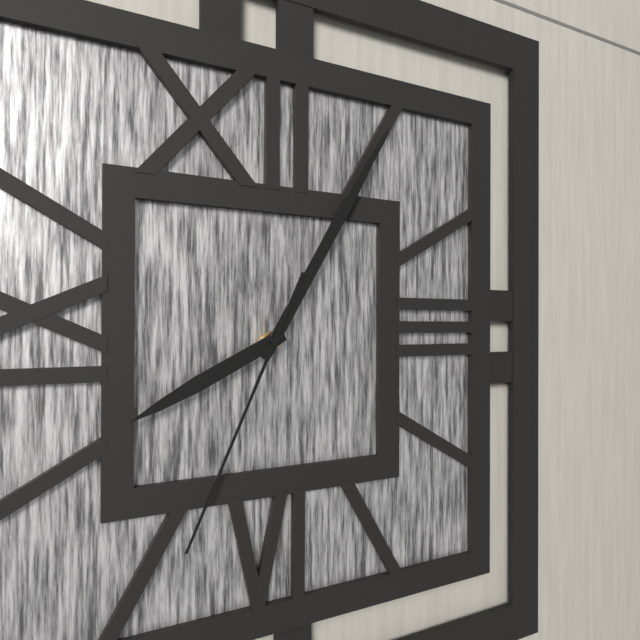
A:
8.05.34
